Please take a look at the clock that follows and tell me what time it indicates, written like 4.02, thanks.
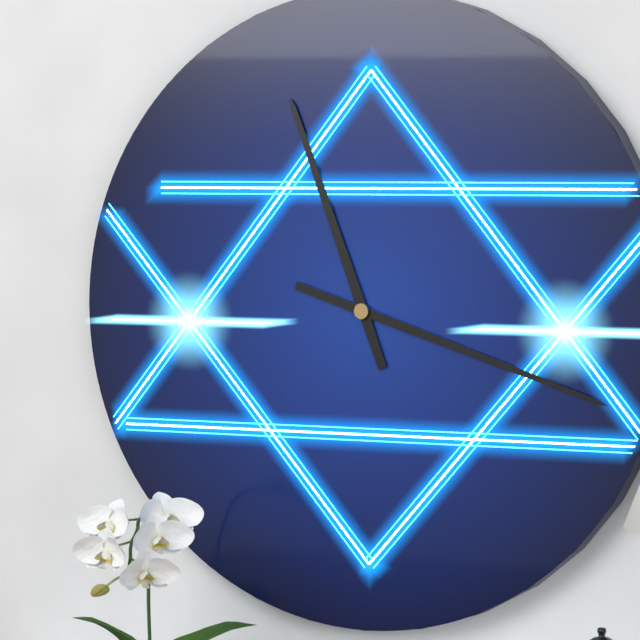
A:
11.18
